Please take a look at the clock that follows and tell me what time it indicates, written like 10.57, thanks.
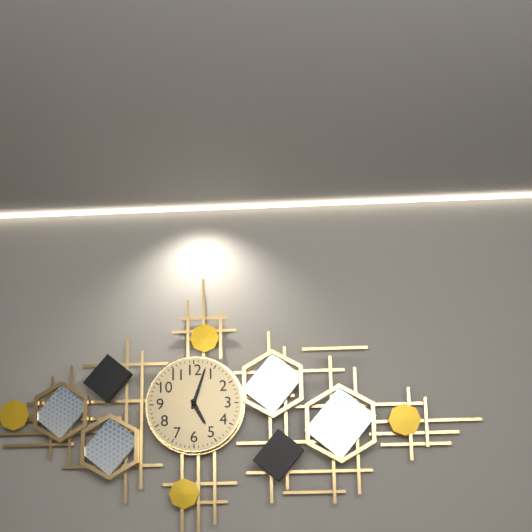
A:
5.03
